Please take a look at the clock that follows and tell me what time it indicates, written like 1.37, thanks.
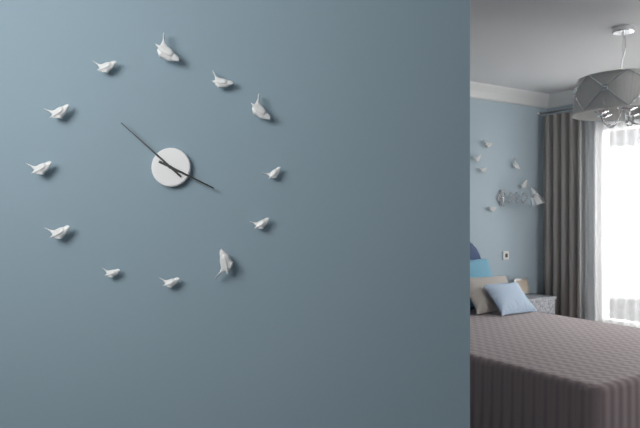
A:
3.52
